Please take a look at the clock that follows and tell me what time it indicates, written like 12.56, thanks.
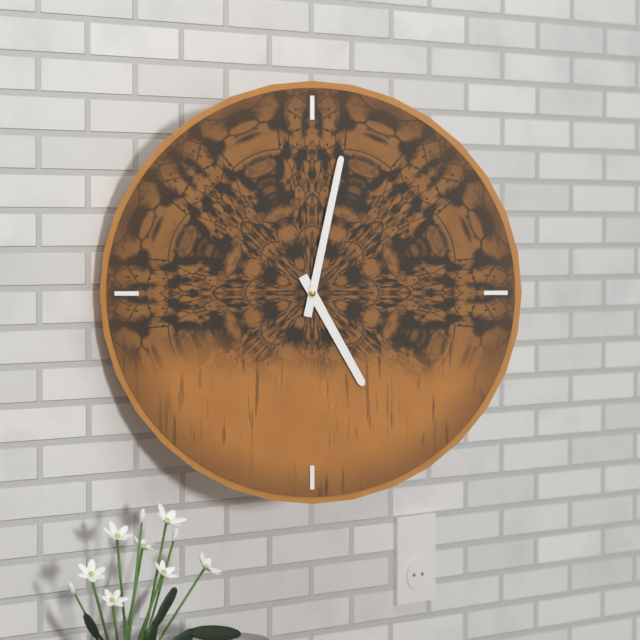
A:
5.02
